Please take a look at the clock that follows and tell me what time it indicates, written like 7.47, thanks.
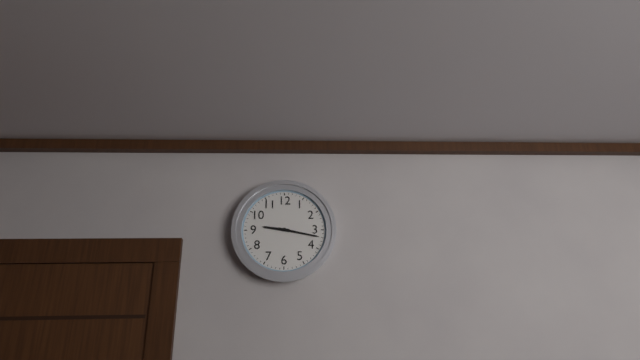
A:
9.17
